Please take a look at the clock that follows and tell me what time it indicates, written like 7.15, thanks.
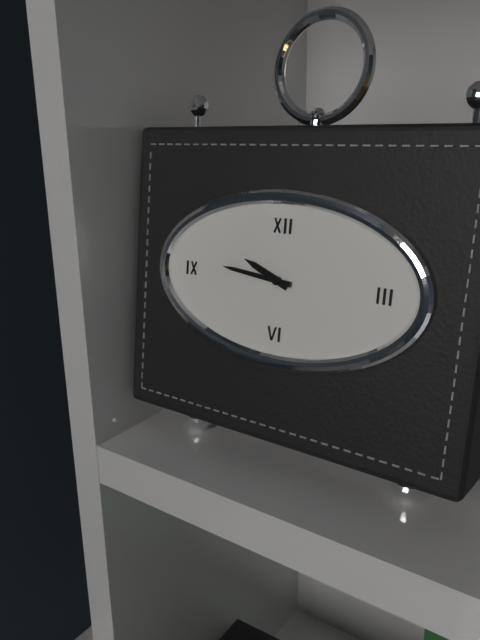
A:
9.46
